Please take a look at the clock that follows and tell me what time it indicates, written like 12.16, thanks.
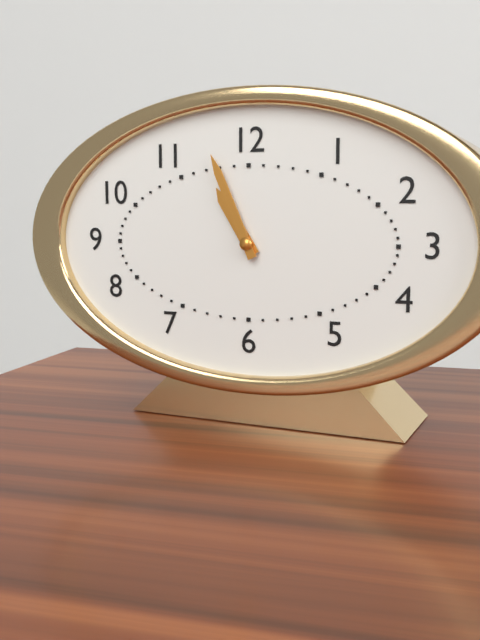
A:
10.56
